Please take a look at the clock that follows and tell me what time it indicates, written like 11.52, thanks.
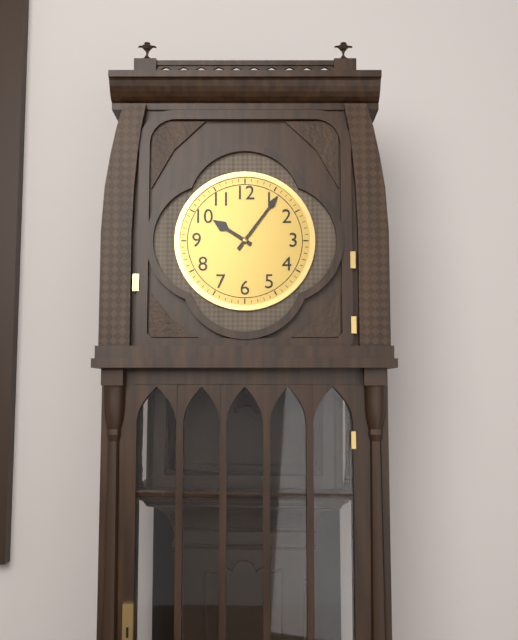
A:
10.06
